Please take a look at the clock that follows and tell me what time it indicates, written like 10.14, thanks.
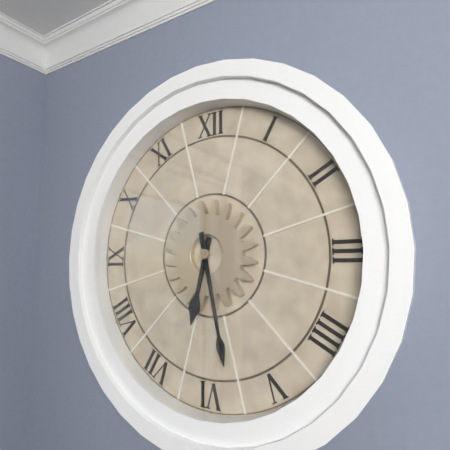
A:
6.28
